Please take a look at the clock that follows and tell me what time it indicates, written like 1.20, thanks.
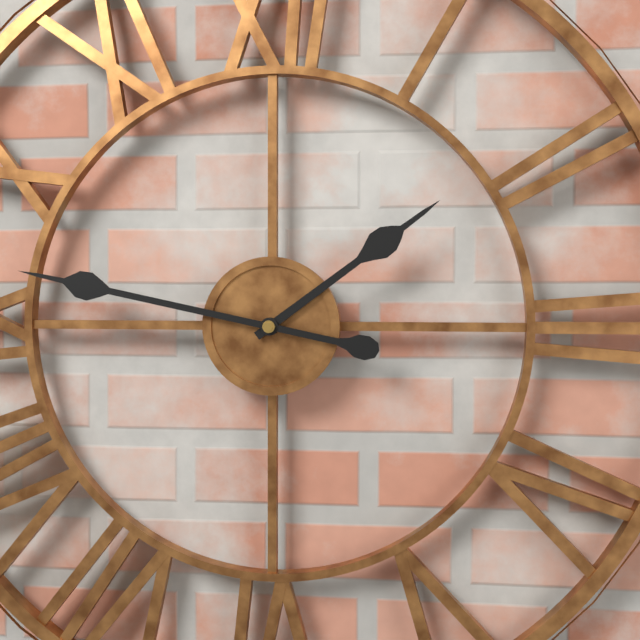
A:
1.47
